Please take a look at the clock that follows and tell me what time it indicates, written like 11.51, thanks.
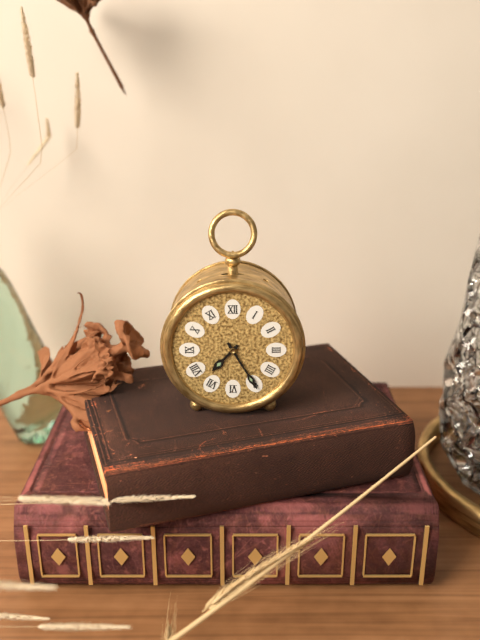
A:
7.25
